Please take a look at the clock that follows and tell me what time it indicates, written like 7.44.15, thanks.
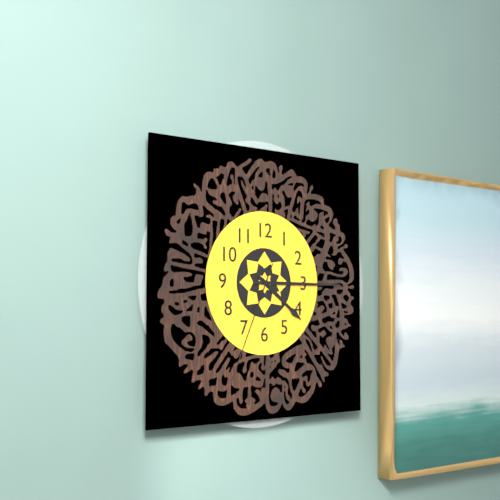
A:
4.15.34
